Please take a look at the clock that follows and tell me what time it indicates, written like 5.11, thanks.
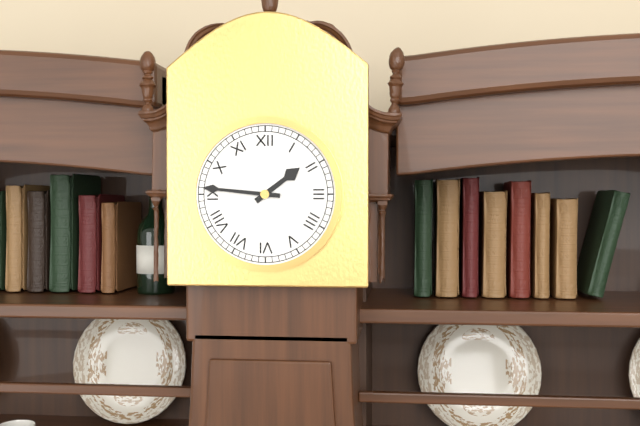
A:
1.46
